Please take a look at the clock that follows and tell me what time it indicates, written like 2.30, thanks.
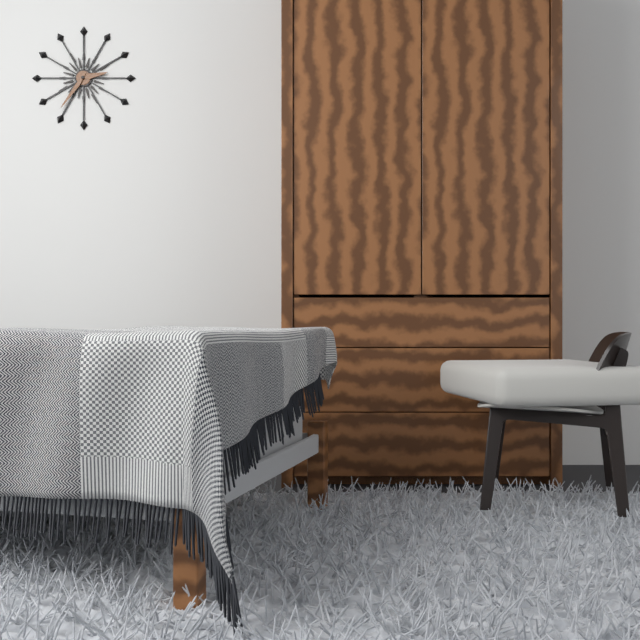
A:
2.36
